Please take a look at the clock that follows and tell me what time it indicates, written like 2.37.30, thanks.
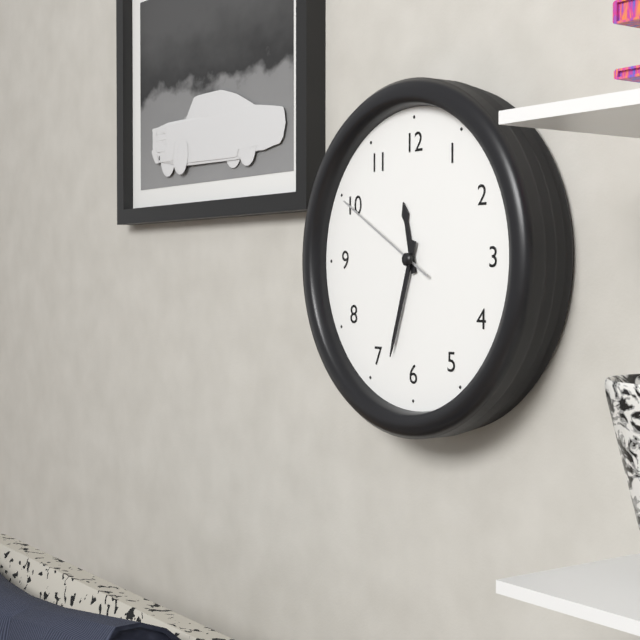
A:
11.33.50
